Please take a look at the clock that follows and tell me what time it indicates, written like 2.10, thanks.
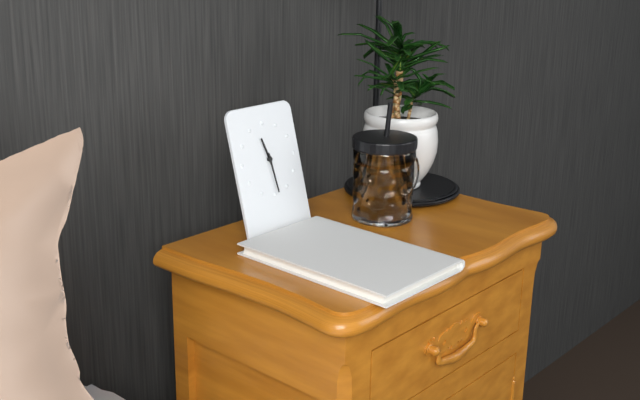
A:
11.29
